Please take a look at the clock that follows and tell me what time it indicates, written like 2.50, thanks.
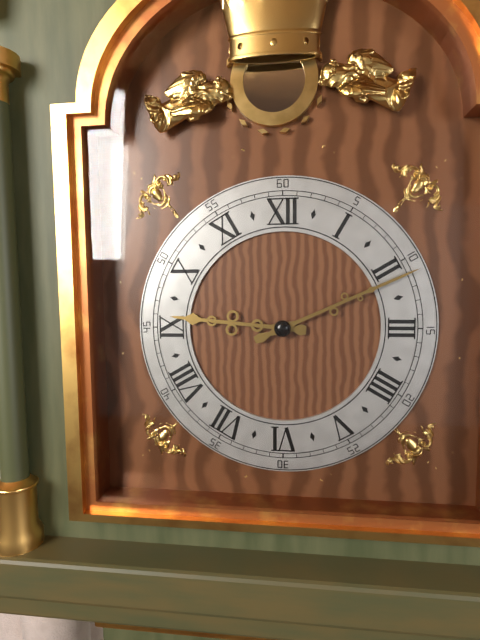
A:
9.11
